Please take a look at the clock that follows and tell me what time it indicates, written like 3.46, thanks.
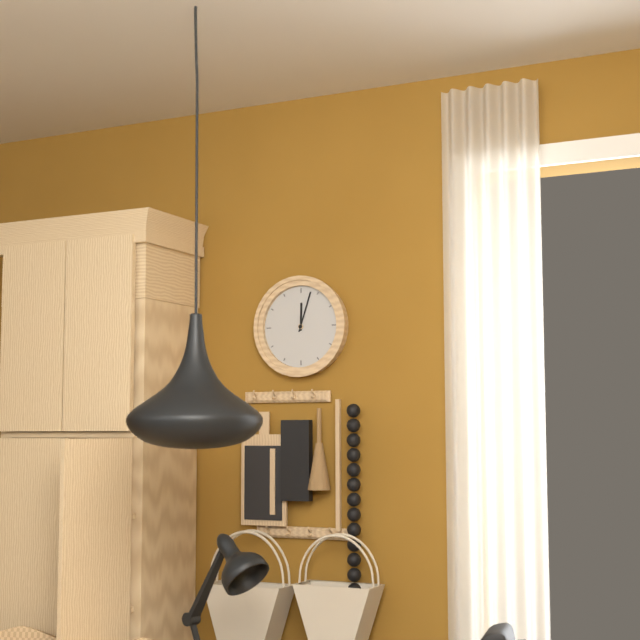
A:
12.03
